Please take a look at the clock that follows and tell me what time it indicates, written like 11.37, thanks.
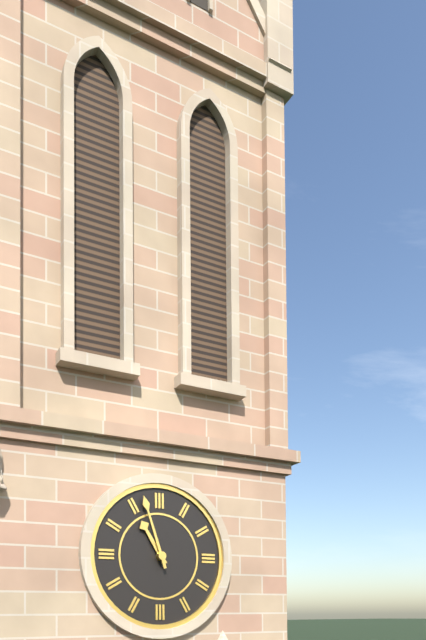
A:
10.57
